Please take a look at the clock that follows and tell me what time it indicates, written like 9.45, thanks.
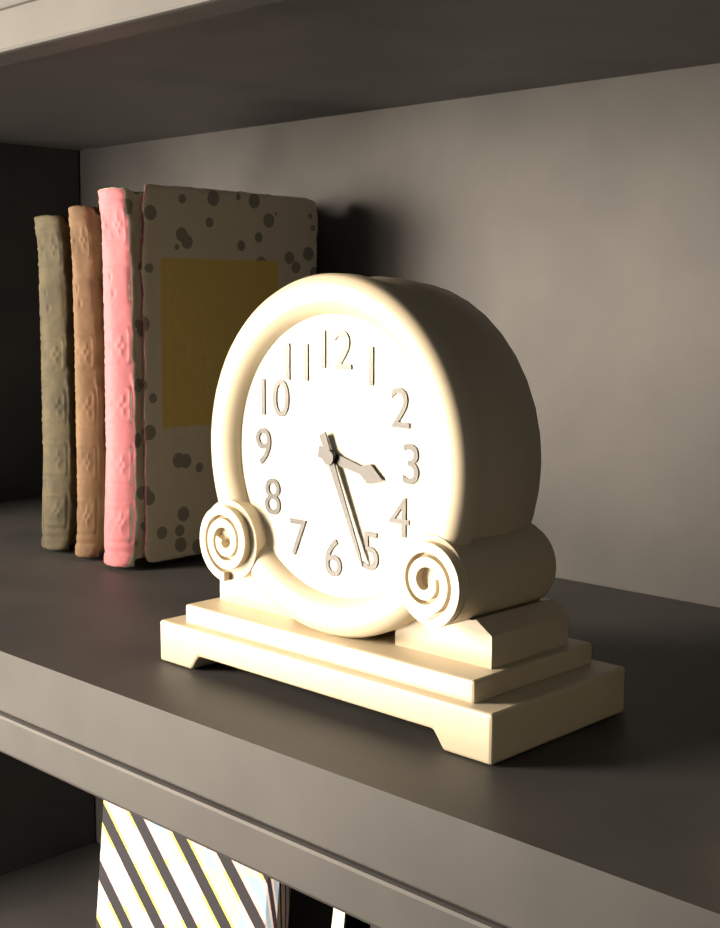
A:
3.26
